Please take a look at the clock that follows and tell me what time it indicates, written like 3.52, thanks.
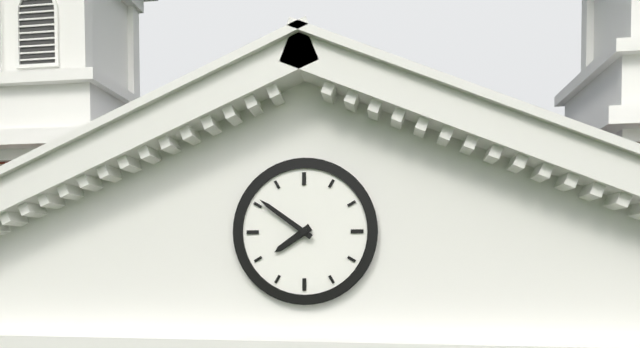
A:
7.51
